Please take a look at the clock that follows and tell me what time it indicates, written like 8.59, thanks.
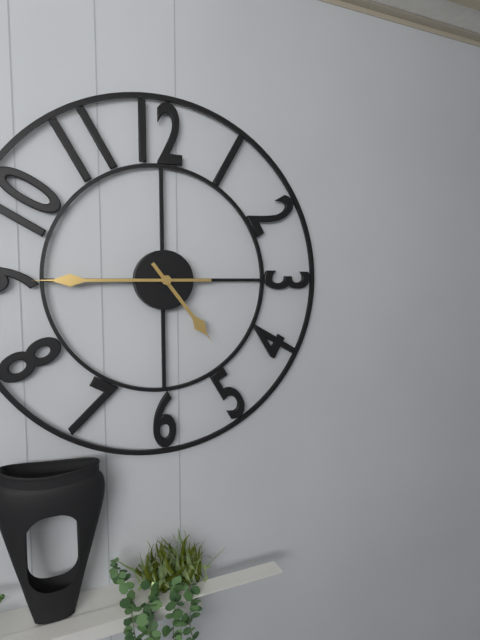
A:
4.45
